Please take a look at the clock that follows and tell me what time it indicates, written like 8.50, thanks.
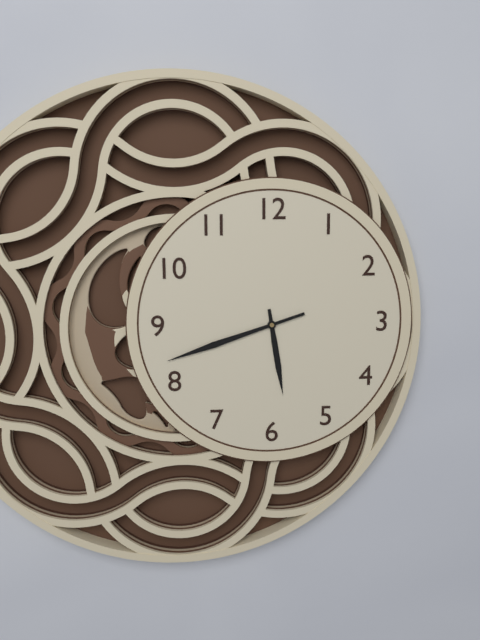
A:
5.42
